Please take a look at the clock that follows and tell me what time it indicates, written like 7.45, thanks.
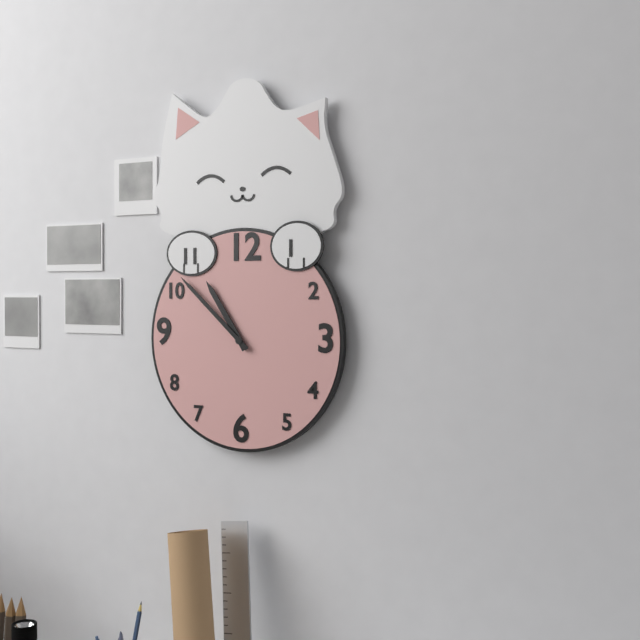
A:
10.52
